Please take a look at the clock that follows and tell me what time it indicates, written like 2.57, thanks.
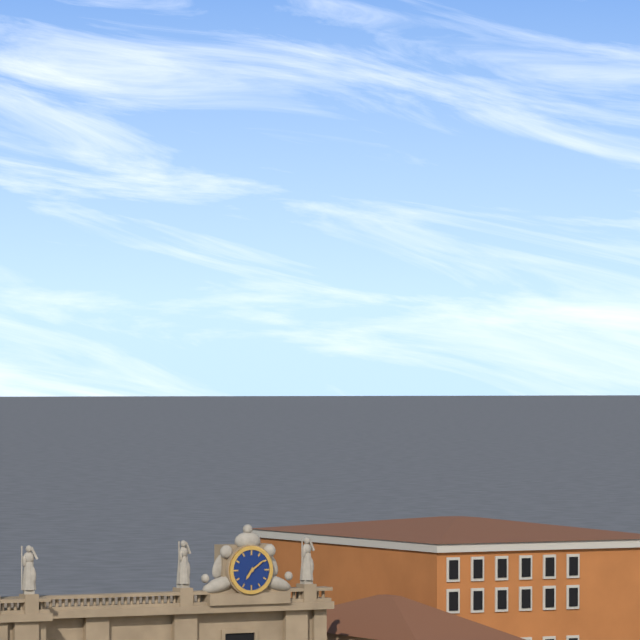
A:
7.09
